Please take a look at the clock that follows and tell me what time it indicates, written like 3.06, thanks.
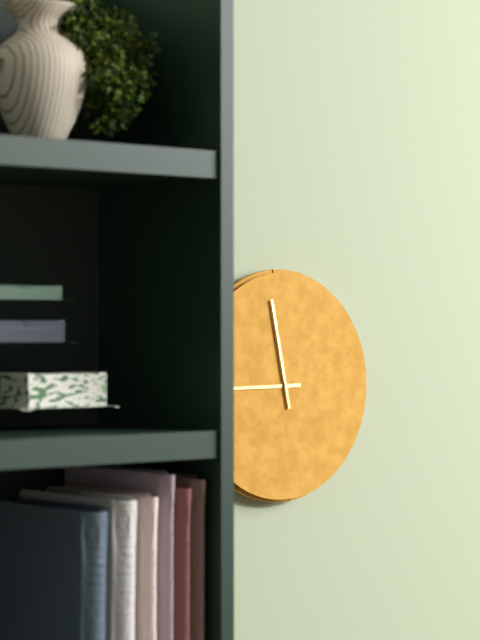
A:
8.58
